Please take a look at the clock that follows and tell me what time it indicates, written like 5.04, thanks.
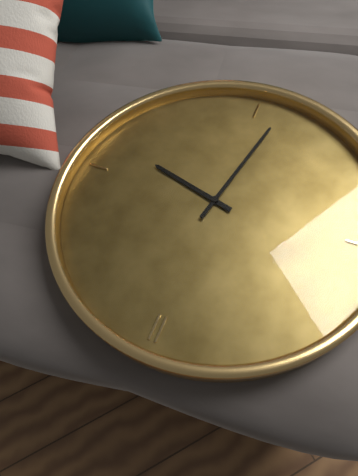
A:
3.32
